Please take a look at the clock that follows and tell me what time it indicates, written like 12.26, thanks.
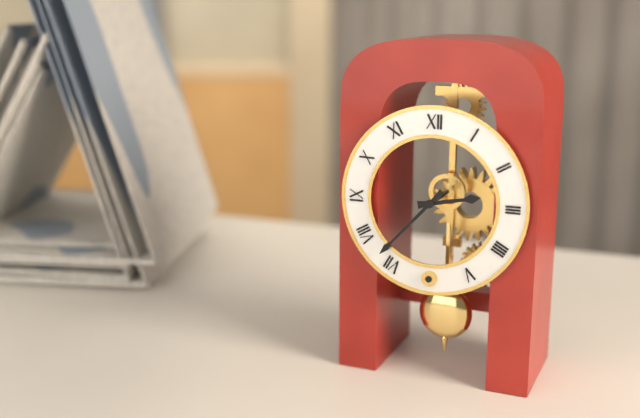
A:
2.37
